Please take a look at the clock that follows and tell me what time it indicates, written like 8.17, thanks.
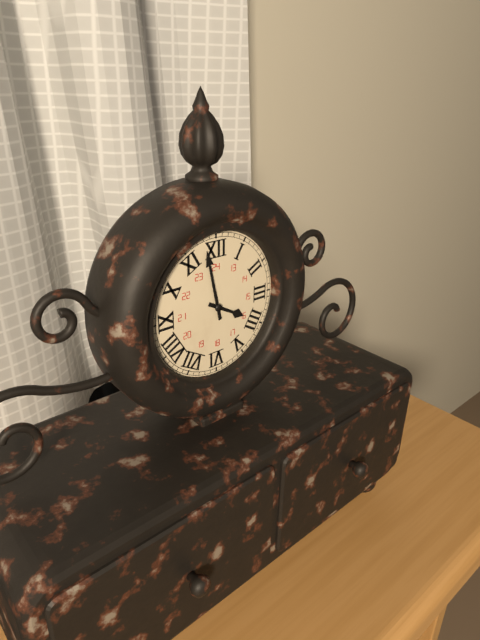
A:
3.58
